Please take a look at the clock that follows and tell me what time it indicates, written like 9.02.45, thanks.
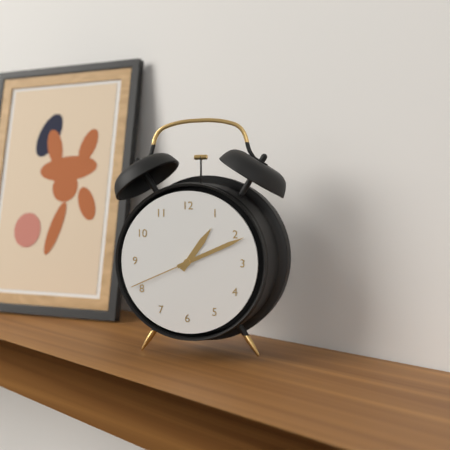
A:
1.11.41
